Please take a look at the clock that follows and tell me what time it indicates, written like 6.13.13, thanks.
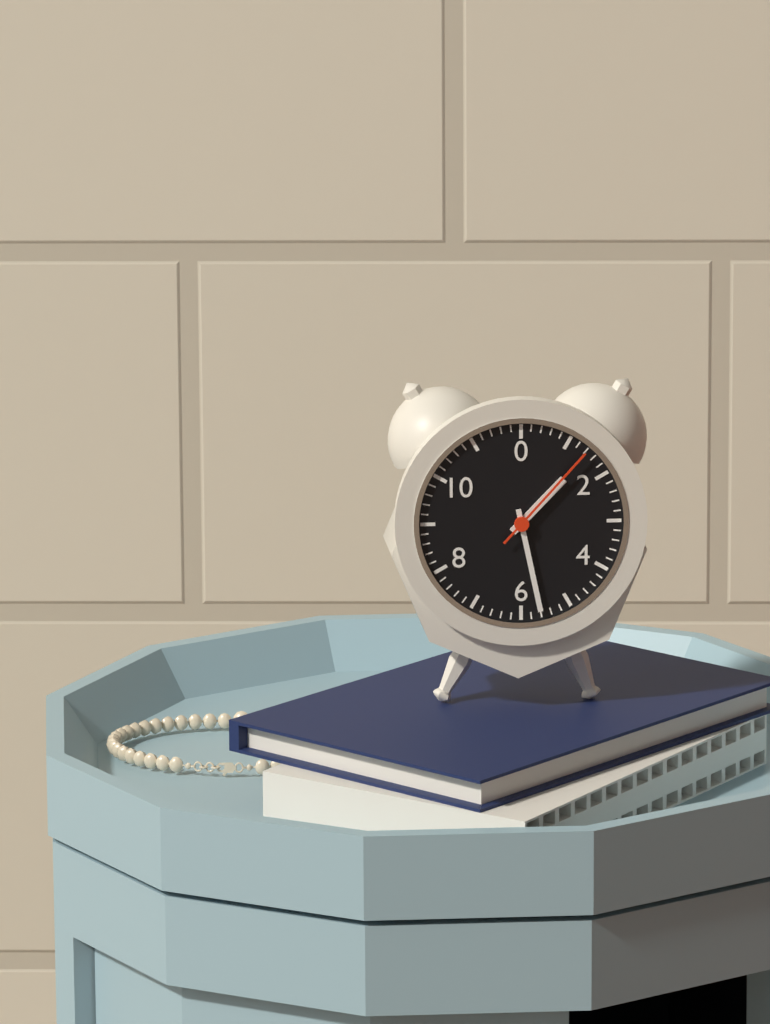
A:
1.28.07
